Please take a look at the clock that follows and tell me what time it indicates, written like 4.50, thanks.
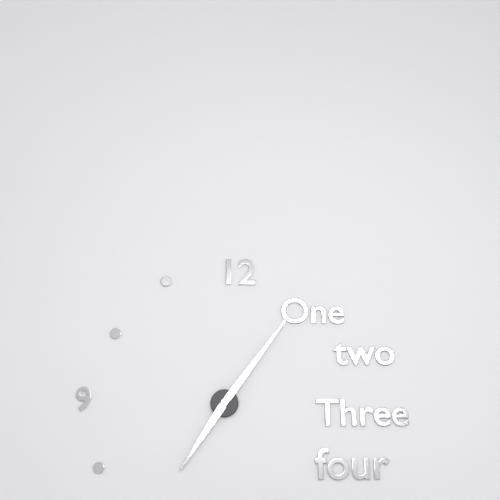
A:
7.06
